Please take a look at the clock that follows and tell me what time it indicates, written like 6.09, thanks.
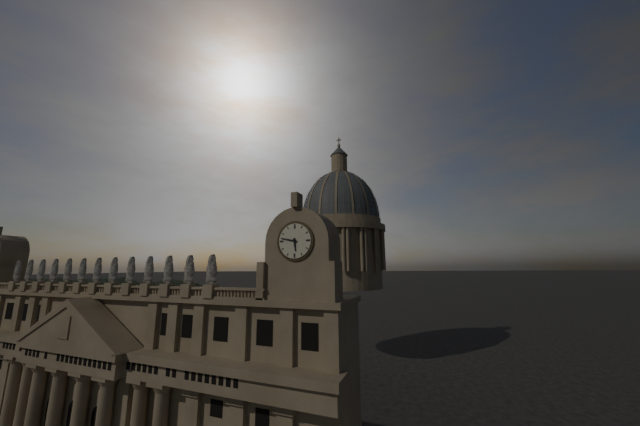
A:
5.47
